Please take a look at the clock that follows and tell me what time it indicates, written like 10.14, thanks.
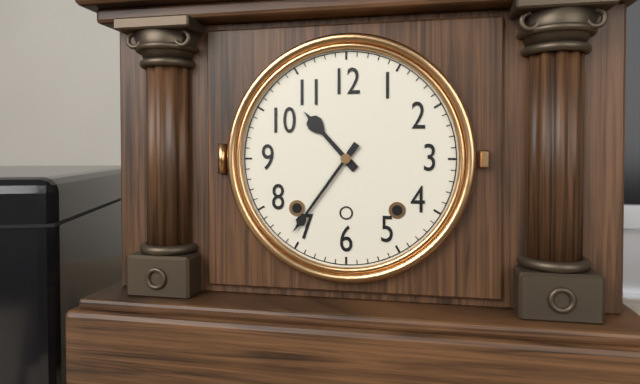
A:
10.36
